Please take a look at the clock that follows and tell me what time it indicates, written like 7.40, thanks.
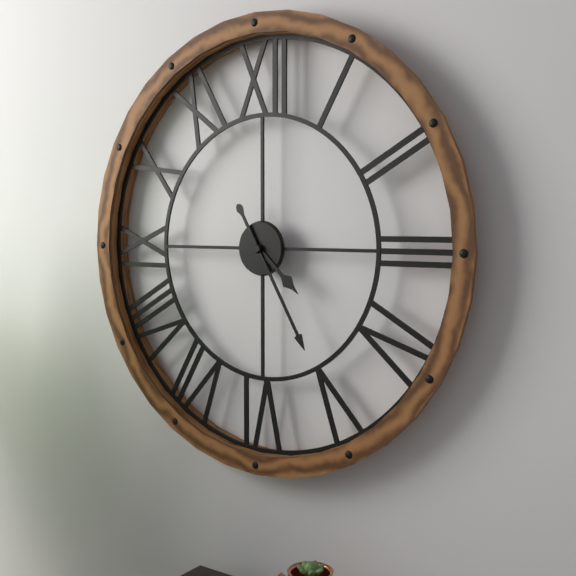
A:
4.25
